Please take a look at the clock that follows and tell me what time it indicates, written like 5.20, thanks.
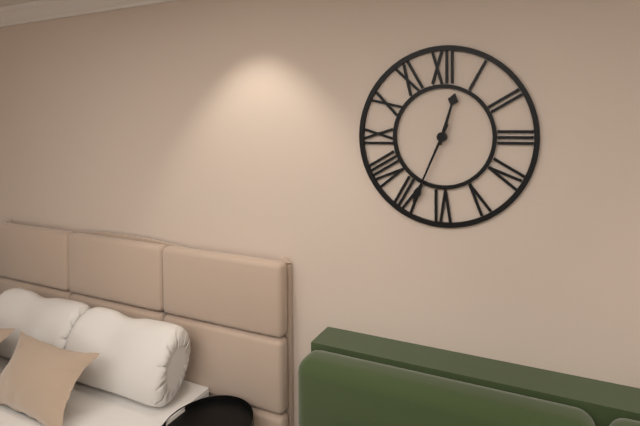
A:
12.34
